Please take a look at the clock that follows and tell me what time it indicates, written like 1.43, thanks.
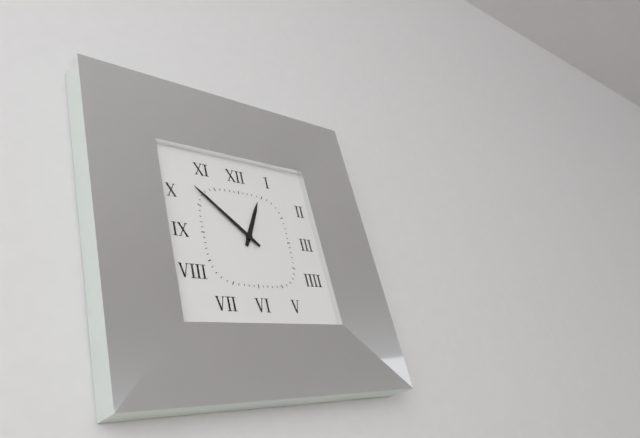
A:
12.52
